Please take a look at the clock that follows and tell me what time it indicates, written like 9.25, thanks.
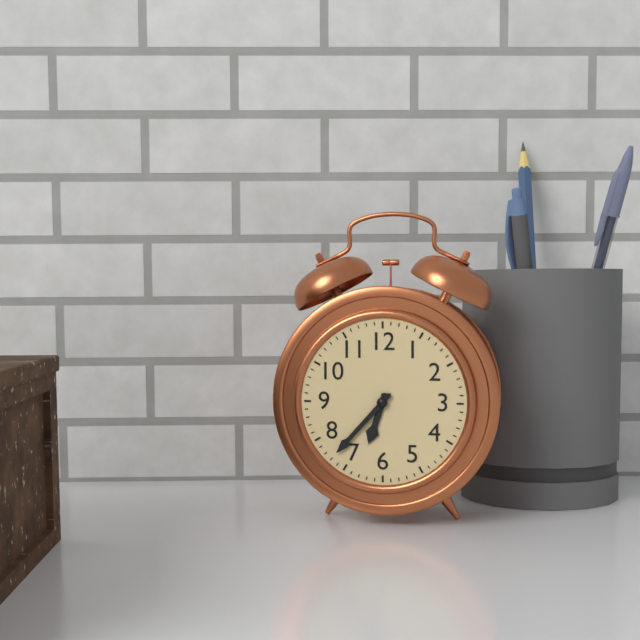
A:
6.37
